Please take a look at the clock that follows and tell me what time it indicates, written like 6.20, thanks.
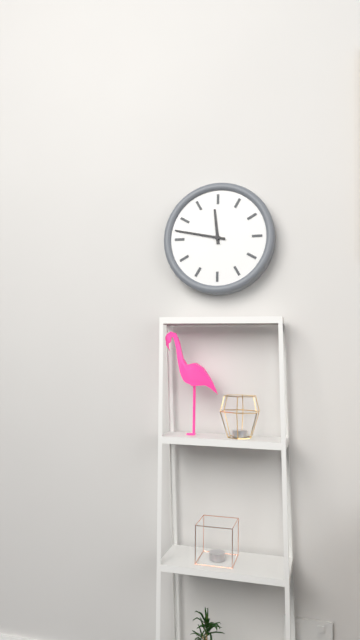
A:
11.47
